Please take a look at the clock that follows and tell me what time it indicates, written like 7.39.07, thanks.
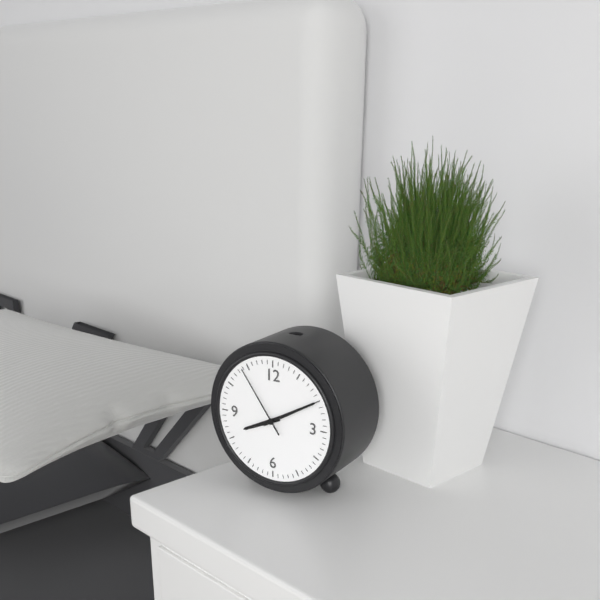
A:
8.10.54
